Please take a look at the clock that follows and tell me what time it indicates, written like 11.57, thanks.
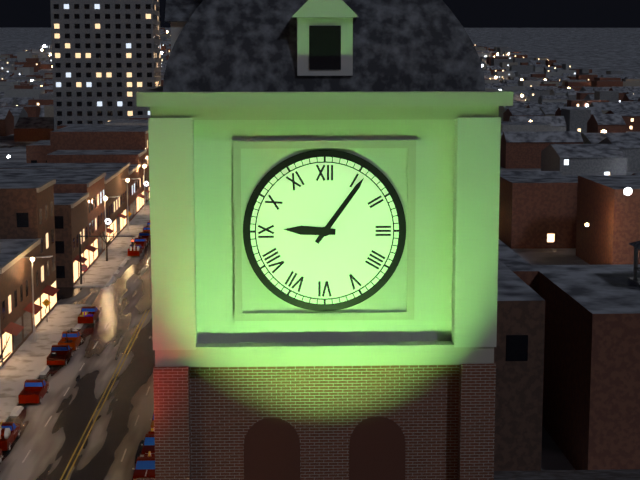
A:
9.06
